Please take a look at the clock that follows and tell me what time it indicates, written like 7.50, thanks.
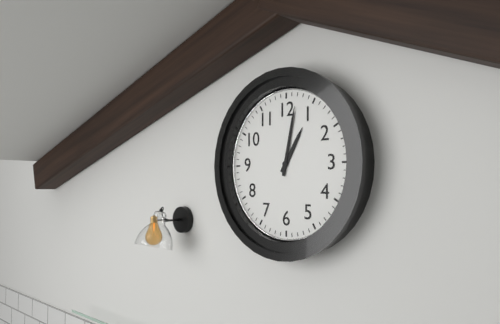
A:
1.02
